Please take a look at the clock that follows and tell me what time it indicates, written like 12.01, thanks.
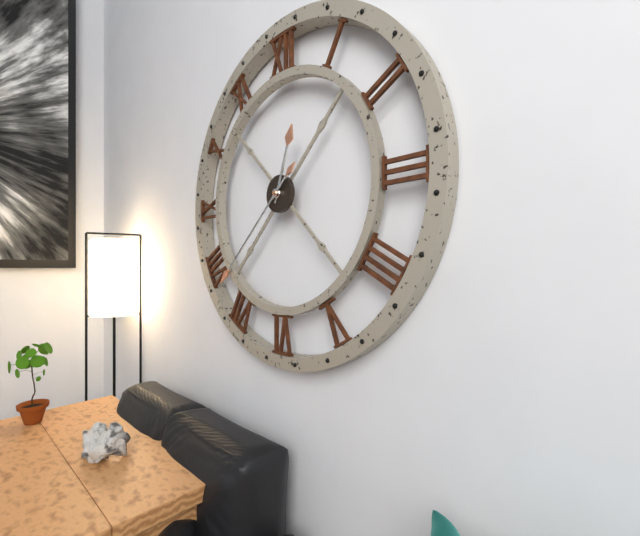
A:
12.38
